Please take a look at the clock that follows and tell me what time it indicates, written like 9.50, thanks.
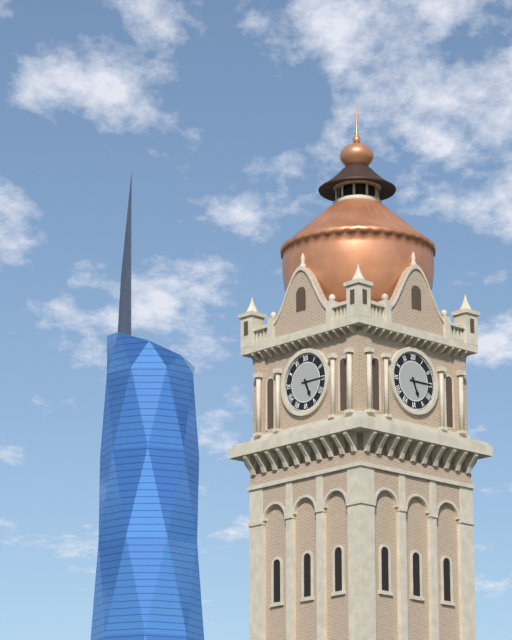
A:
5.15
